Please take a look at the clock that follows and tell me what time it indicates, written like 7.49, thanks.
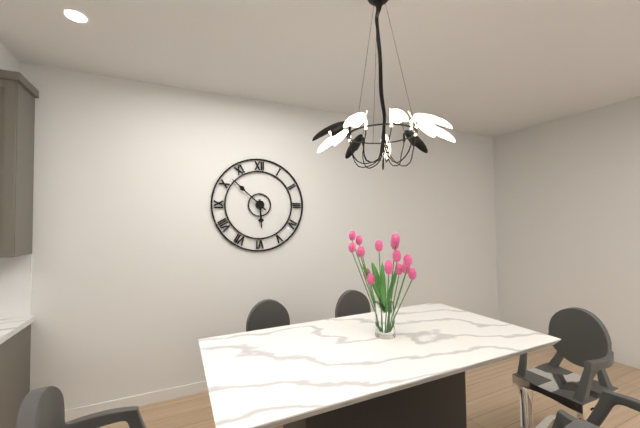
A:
5.52
